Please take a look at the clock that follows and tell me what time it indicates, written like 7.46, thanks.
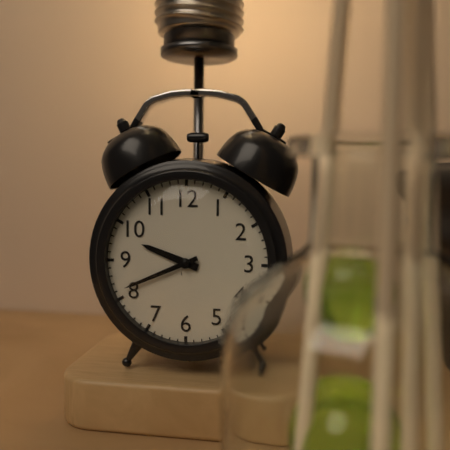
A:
9.41
